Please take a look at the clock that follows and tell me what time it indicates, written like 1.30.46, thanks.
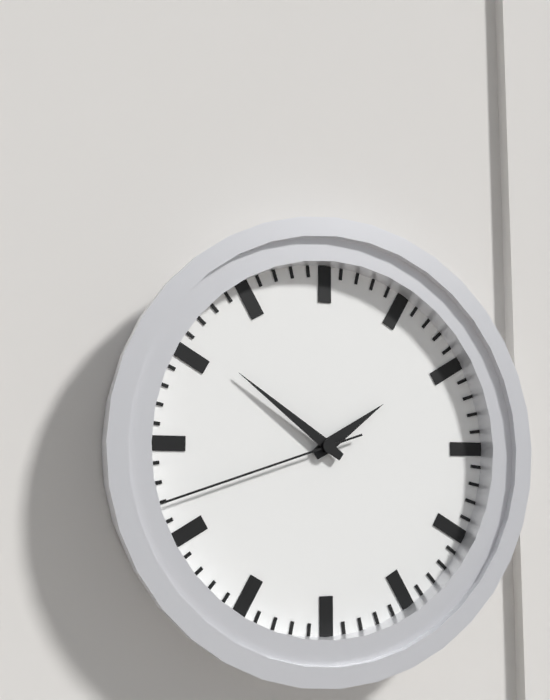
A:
1.51.42
